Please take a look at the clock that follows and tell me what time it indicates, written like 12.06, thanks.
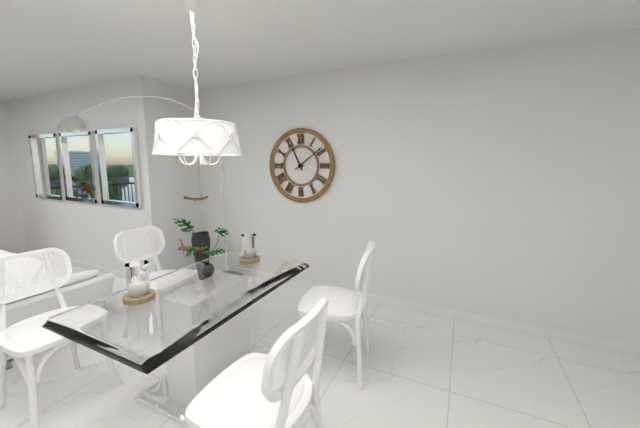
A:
11.09
